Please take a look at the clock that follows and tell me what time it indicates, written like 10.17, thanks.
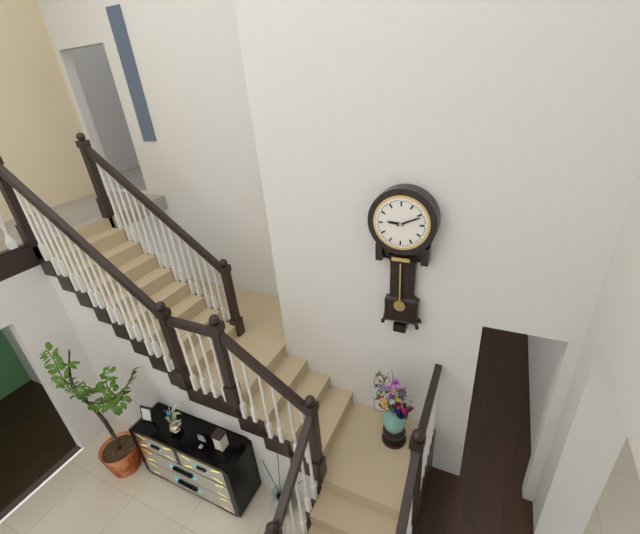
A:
9.11
